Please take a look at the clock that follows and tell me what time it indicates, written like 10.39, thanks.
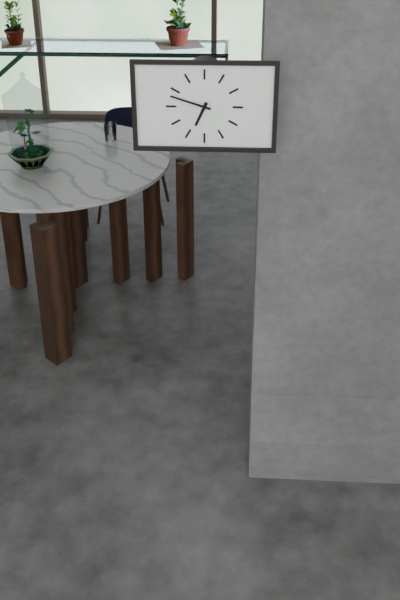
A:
6.48
